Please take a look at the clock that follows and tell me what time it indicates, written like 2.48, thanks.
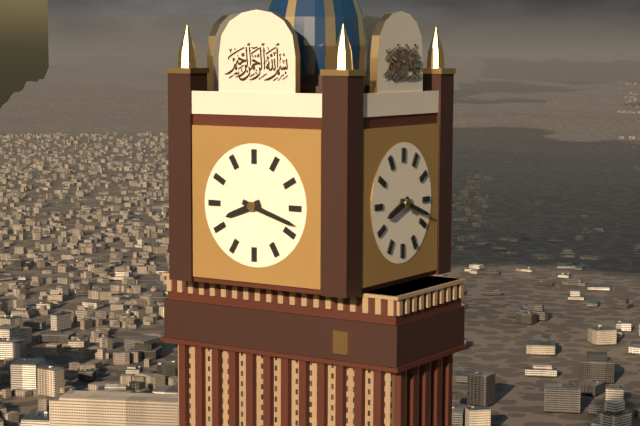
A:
8.18
